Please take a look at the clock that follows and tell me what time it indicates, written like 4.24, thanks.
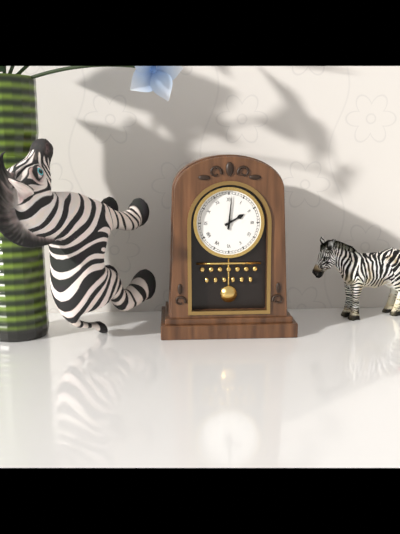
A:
2.01
